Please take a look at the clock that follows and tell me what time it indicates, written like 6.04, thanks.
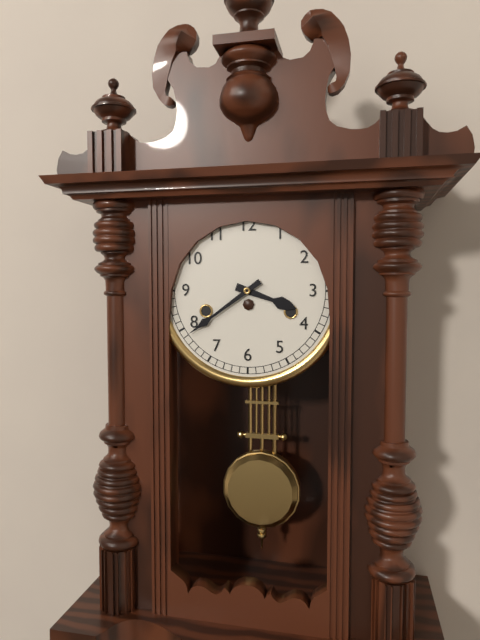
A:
3.39
